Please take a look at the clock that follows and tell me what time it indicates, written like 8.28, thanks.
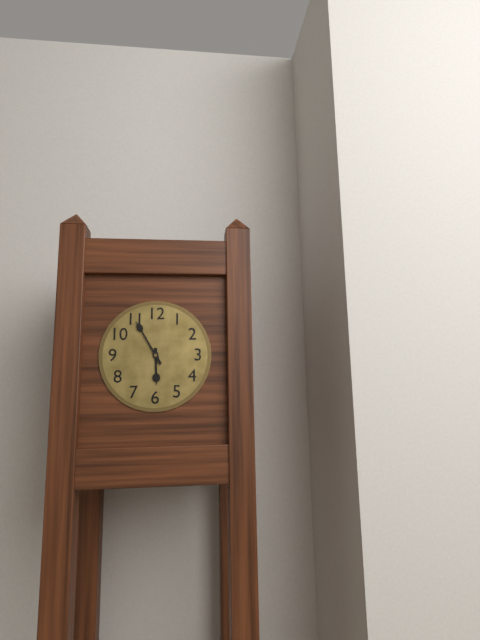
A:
5.55
